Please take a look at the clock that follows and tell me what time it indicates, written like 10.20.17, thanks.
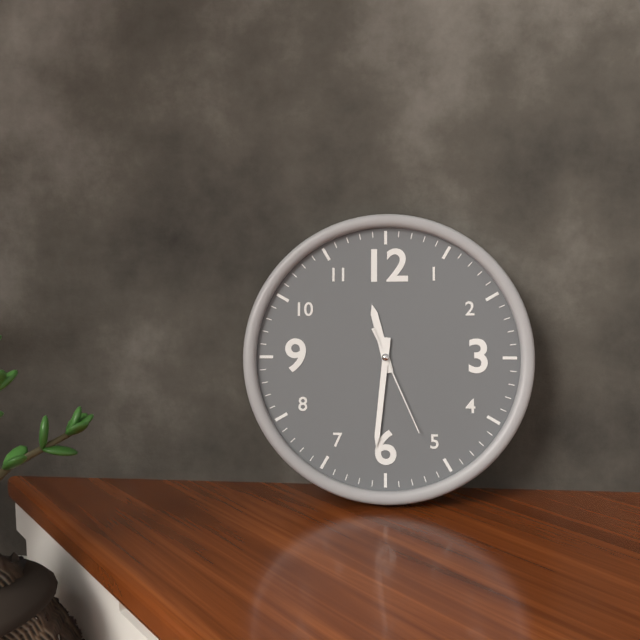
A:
11.31.26
